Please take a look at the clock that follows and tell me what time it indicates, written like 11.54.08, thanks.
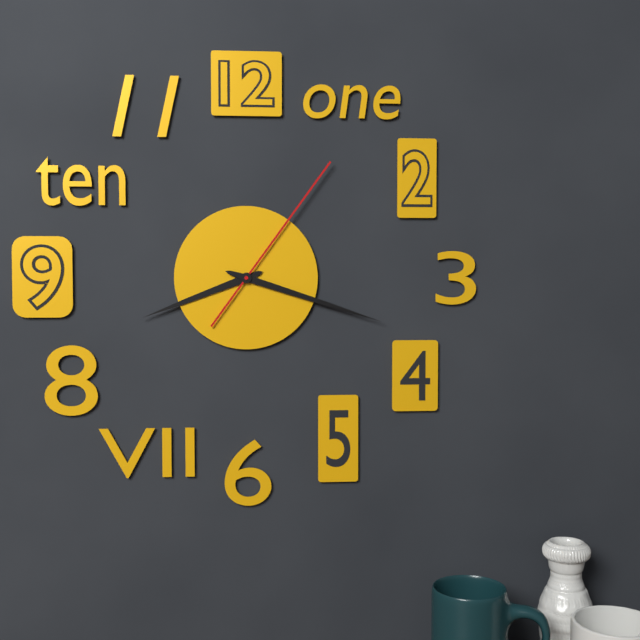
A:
8.18.06
